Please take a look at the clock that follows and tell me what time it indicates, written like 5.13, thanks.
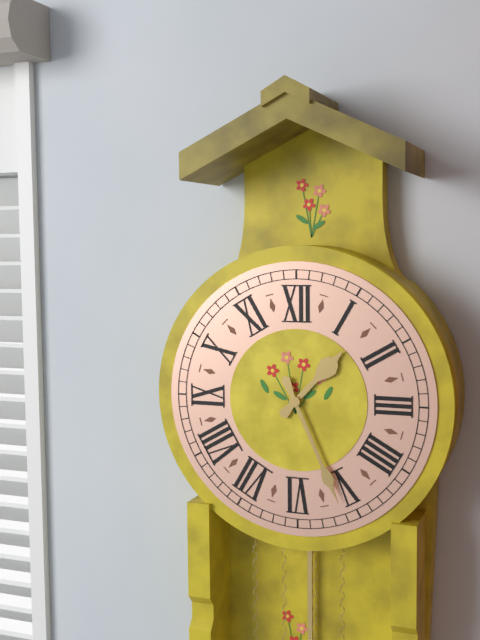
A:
1.26
